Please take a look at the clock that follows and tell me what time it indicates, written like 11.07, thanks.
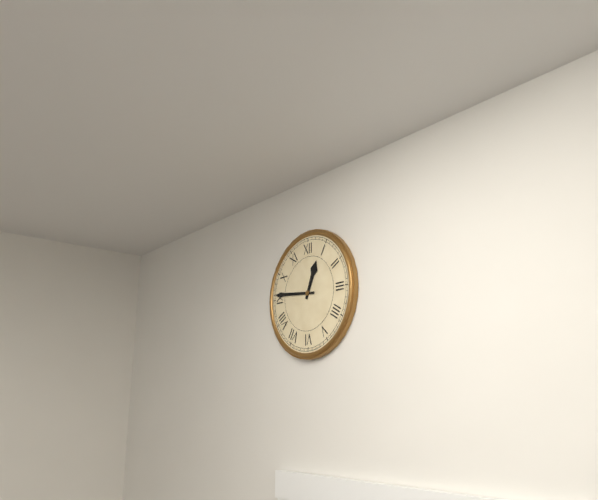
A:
12.46
